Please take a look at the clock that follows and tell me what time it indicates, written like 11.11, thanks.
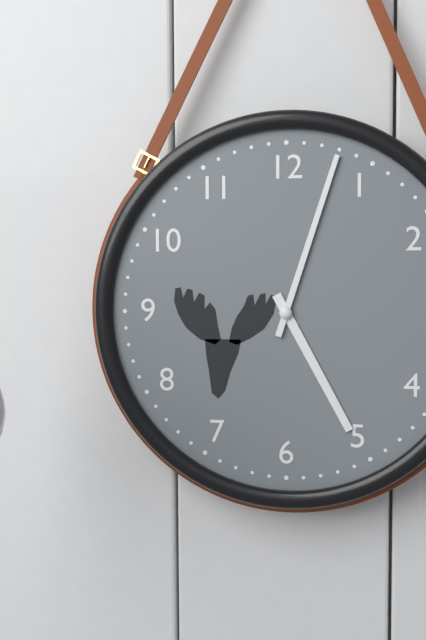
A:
5.03
